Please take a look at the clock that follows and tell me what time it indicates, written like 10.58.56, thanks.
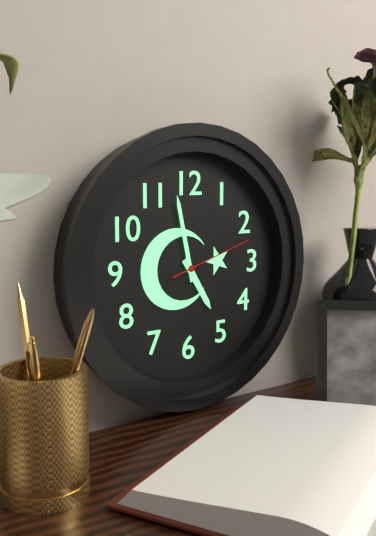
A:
4.58.12
